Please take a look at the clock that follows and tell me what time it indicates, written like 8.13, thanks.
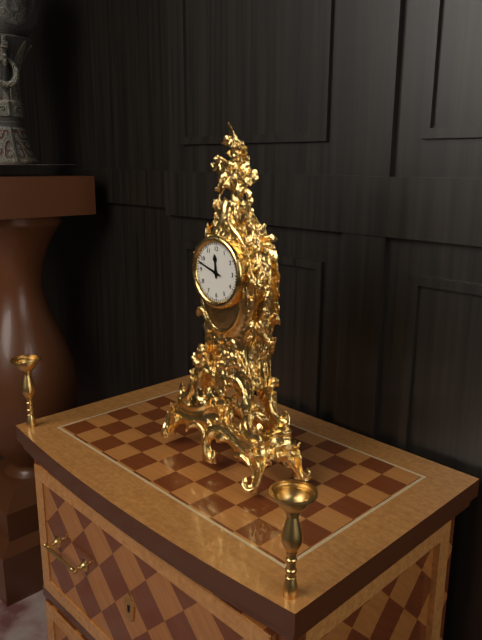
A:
11.48
